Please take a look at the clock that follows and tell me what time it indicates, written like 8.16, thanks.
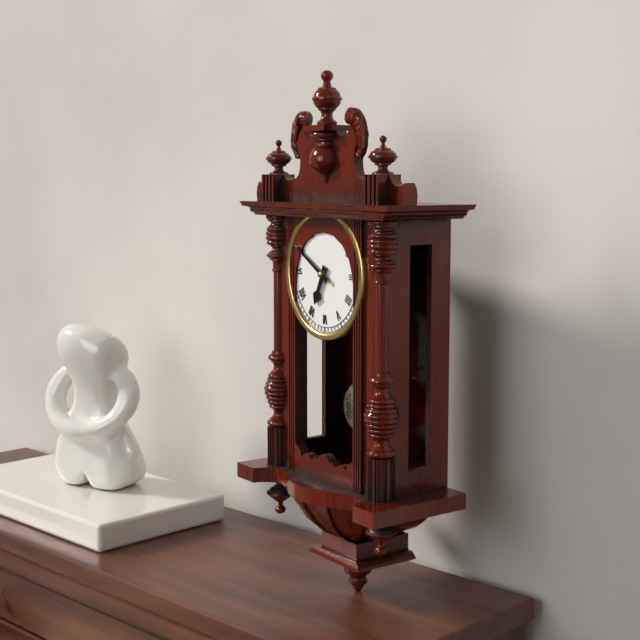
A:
6.50
